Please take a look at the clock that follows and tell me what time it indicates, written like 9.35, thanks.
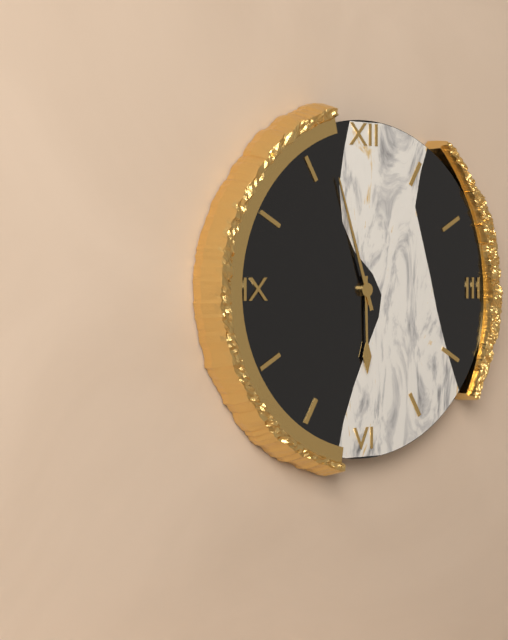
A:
5.57
